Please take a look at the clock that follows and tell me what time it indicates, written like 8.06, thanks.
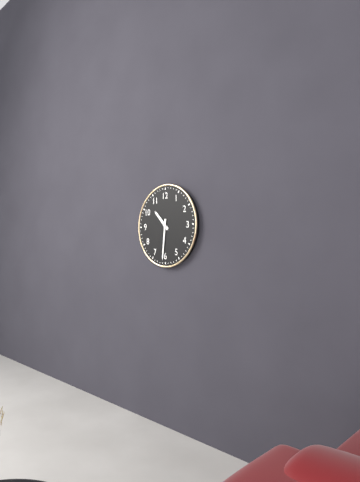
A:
10.31
